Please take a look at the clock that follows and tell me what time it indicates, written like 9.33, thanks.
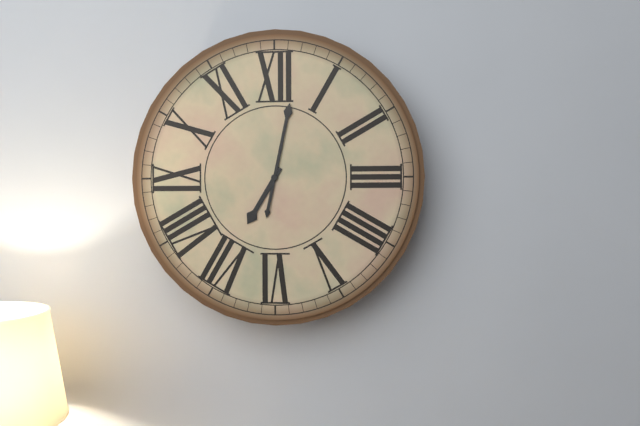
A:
7.02
